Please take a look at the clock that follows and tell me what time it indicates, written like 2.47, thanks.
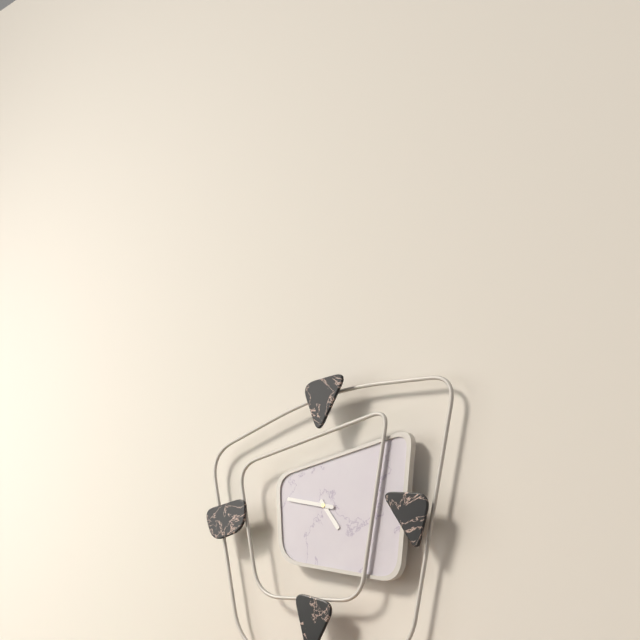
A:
4.47
